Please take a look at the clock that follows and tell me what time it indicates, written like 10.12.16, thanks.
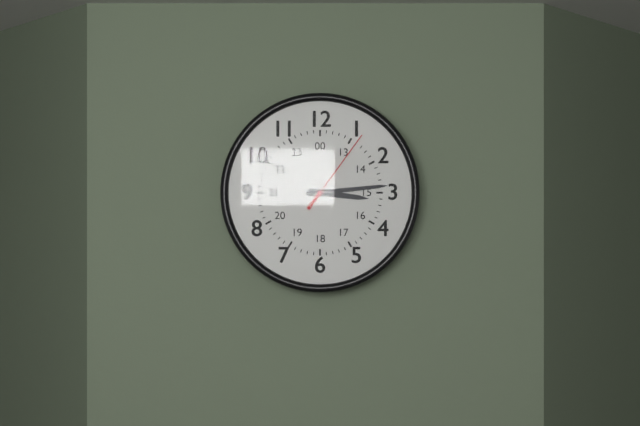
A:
3.14.06
